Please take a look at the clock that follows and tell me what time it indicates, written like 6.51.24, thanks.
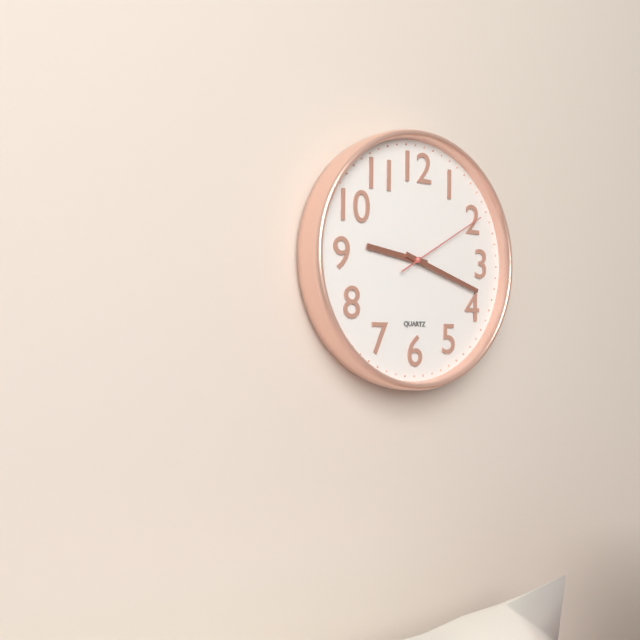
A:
9.18.10
